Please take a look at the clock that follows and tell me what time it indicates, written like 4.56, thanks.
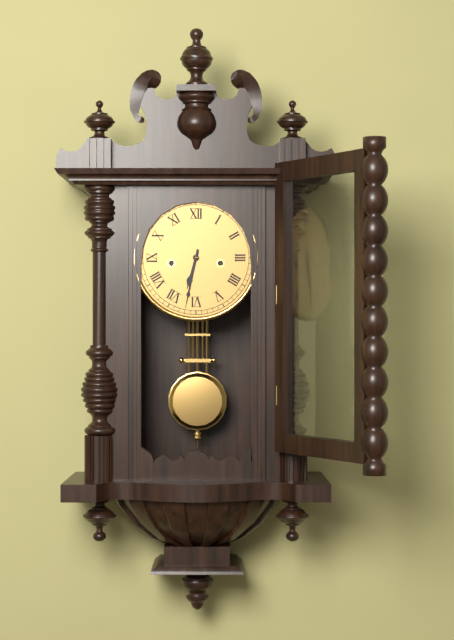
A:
6.32
